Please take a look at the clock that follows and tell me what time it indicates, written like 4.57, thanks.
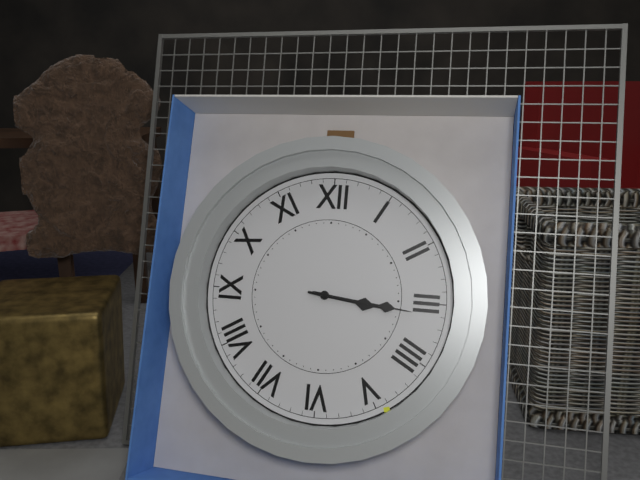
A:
3.16
